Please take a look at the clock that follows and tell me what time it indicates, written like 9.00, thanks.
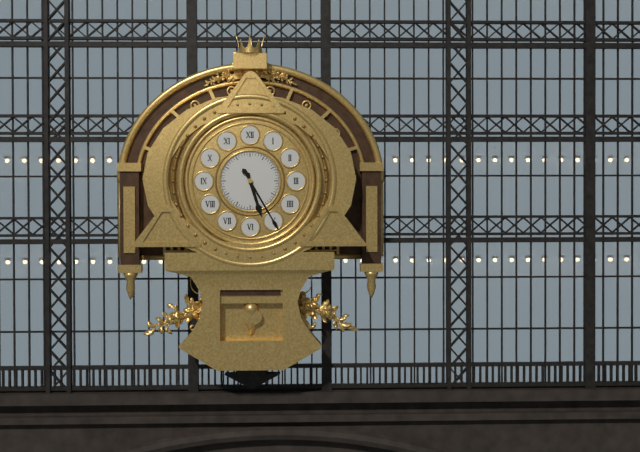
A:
5.25
